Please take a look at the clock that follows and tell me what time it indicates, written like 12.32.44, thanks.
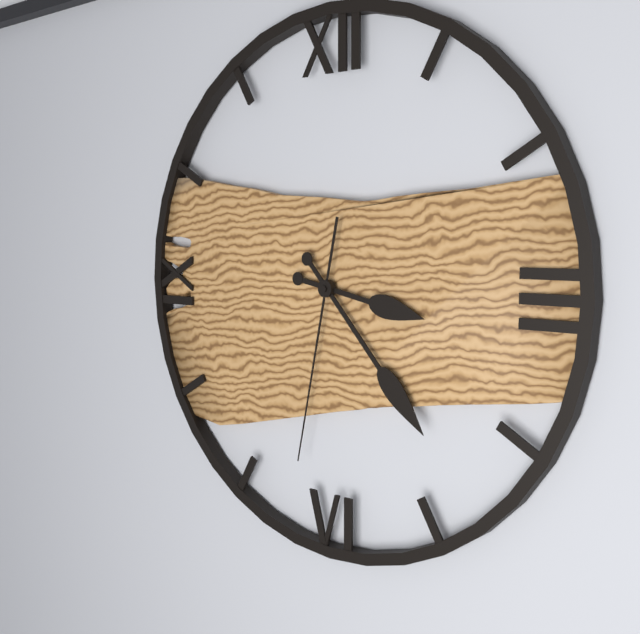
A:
3.23.32
